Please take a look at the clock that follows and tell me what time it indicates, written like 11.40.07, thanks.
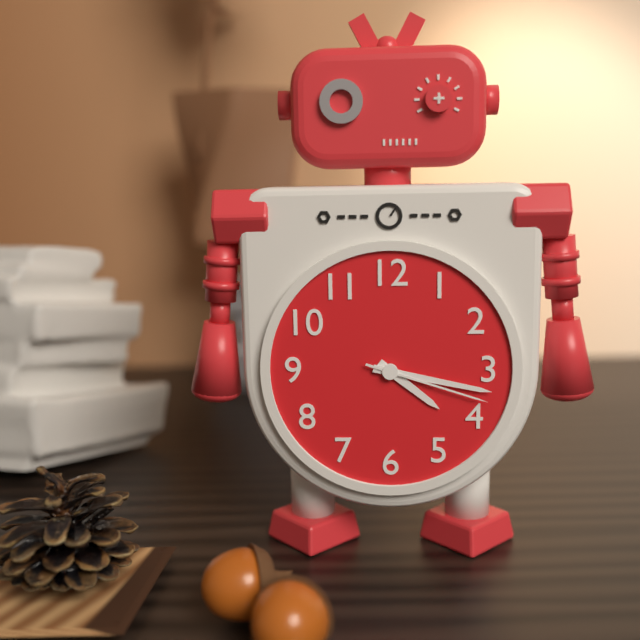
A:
4.17.18
